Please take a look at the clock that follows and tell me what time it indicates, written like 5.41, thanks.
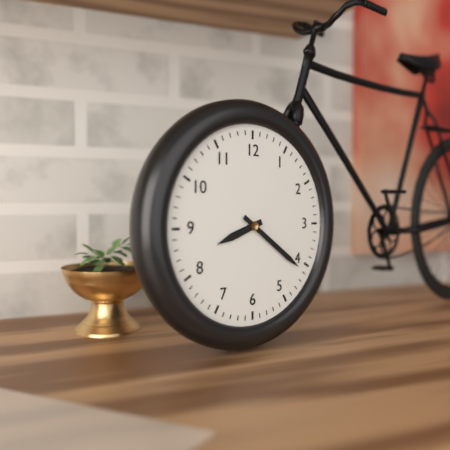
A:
8.21
